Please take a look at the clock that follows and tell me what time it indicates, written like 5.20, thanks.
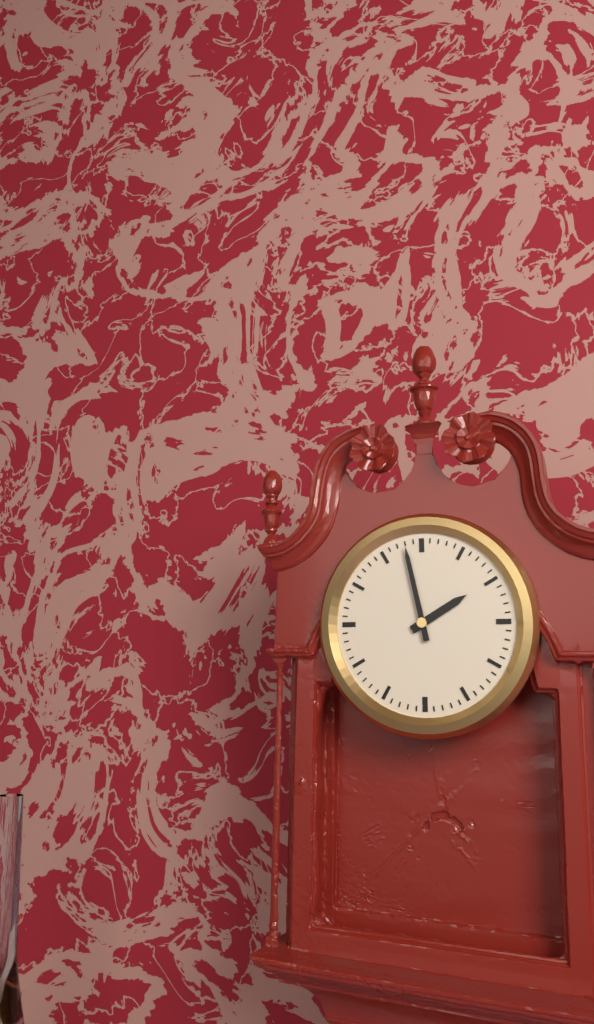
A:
1.58
